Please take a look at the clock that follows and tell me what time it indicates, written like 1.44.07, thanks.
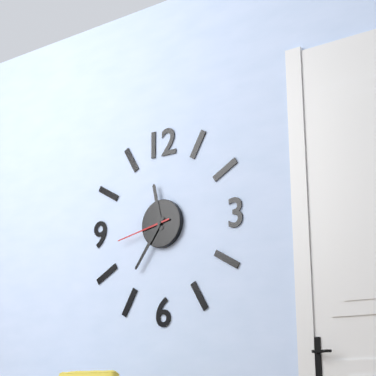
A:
11.36.43
